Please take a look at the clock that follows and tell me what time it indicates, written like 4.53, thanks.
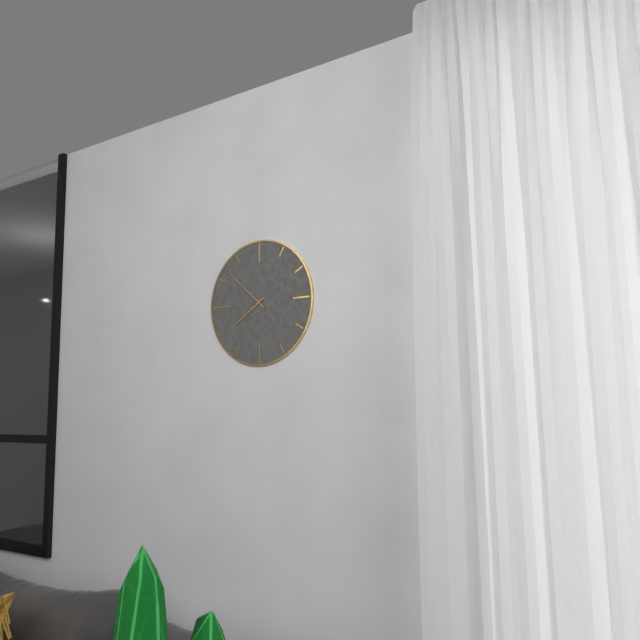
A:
7.52
